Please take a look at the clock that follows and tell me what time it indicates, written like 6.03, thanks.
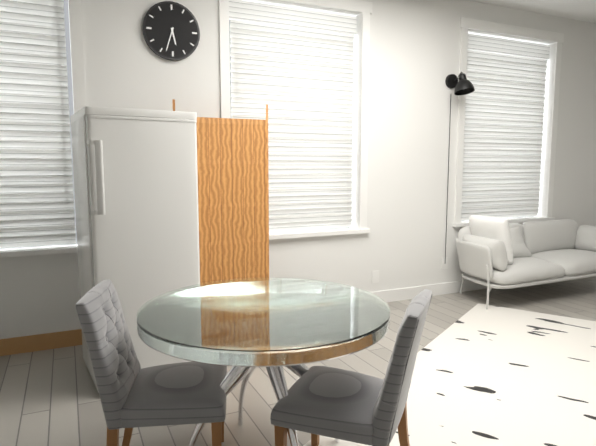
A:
5.33
